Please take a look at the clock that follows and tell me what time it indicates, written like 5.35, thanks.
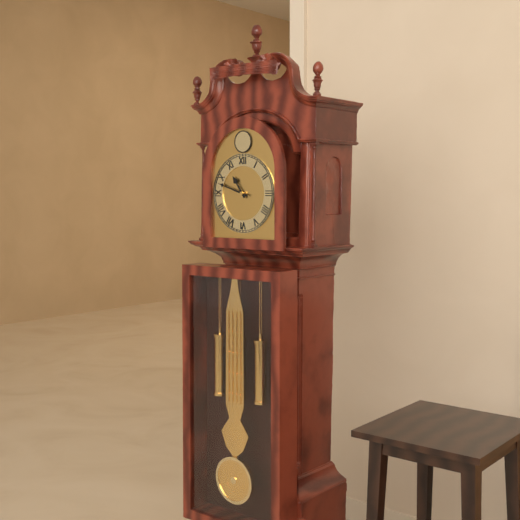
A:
10.48
